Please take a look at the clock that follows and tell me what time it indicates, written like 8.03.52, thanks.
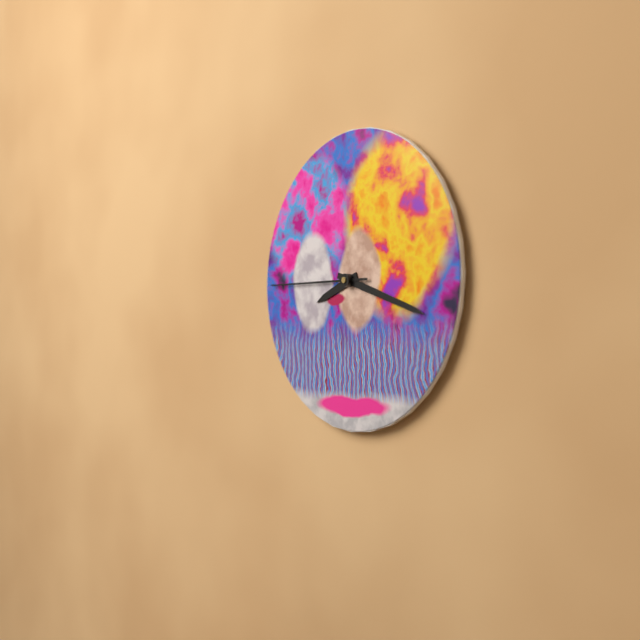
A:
8.18.45
